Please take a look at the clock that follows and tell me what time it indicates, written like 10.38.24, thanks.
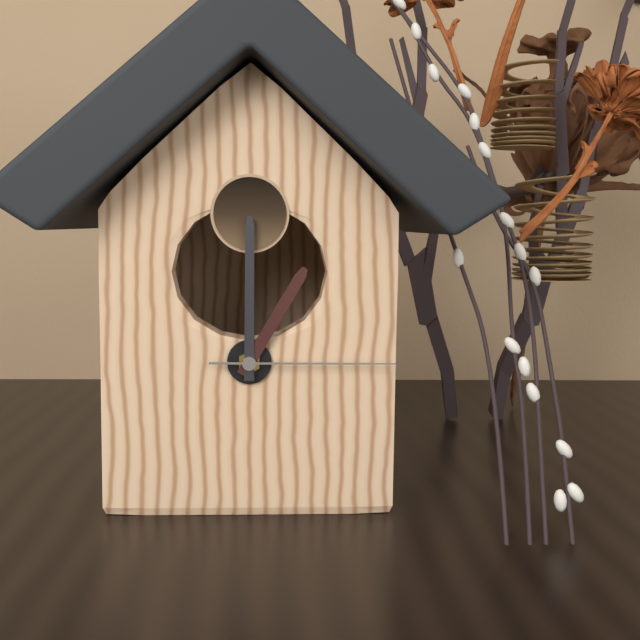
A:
1.00.15
